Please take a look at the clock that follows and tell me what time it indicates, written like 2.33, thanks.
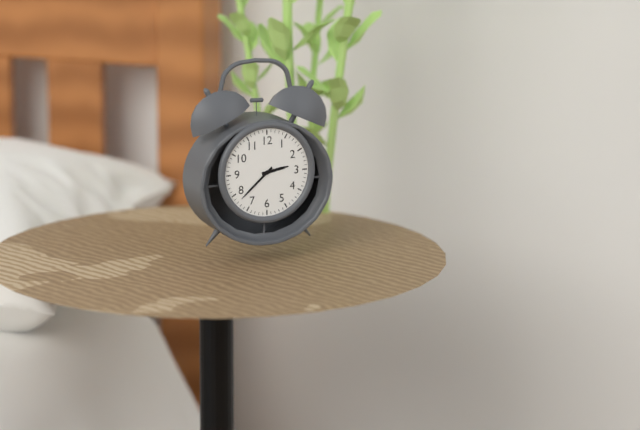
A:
2.38
